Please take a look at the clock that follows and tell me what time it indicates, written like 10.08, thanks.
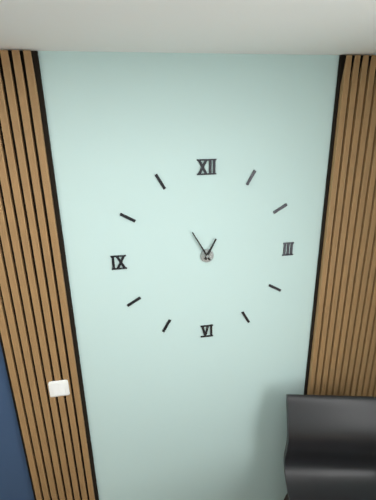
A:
12.55
